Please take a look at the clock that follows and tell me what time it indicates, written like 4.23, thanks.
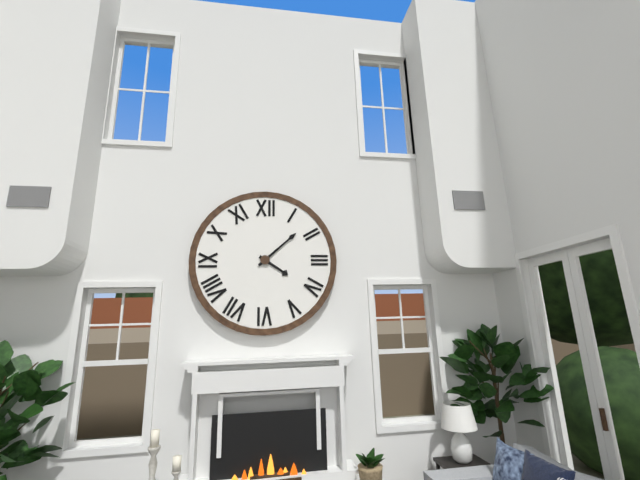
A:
4.08
